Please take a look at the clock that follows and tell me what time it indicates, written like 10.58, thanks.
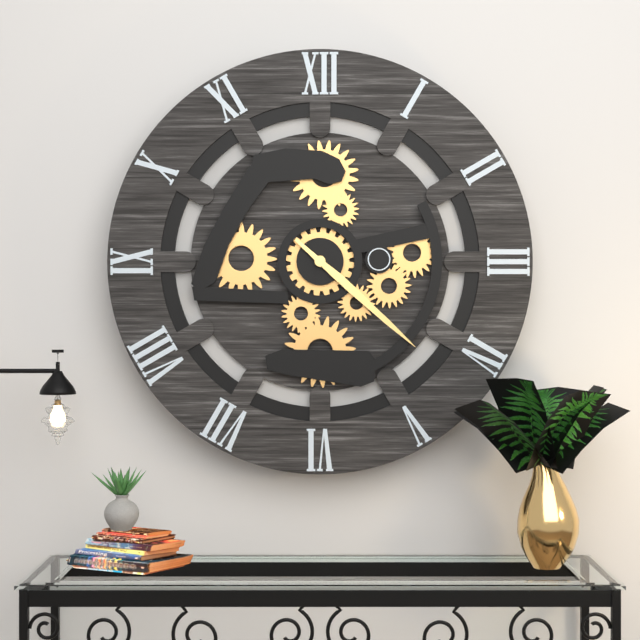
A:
4.22
